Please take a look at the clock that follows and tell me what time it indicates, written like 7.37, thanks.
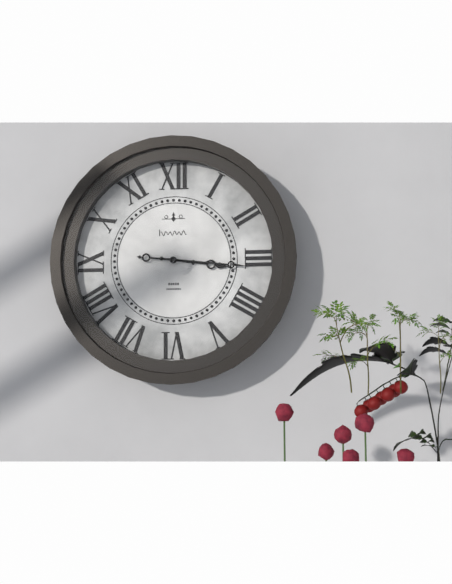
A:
3.16
